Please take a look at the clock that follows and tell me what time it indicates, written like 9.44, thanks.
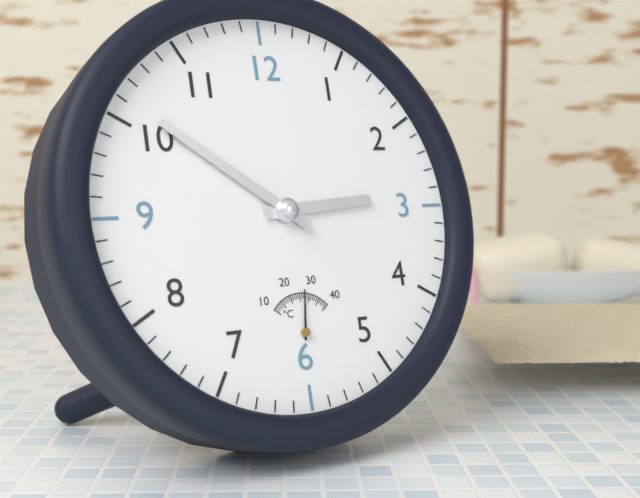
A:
2.51
